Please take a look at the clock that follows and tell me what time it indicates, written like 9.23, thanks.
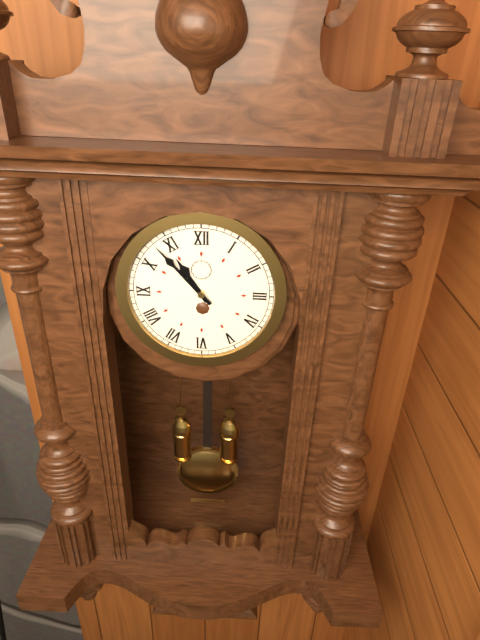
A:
10.53
